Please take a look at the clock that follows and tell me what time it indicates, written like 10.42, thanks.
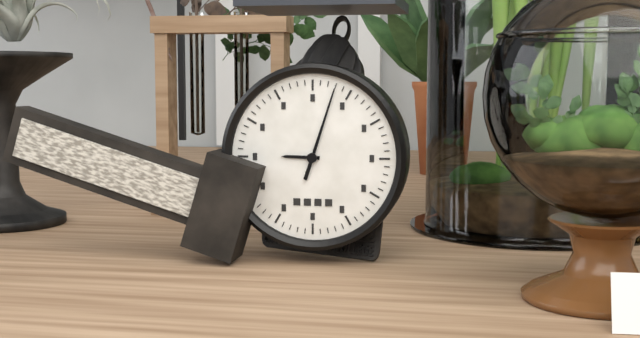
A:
9.03
